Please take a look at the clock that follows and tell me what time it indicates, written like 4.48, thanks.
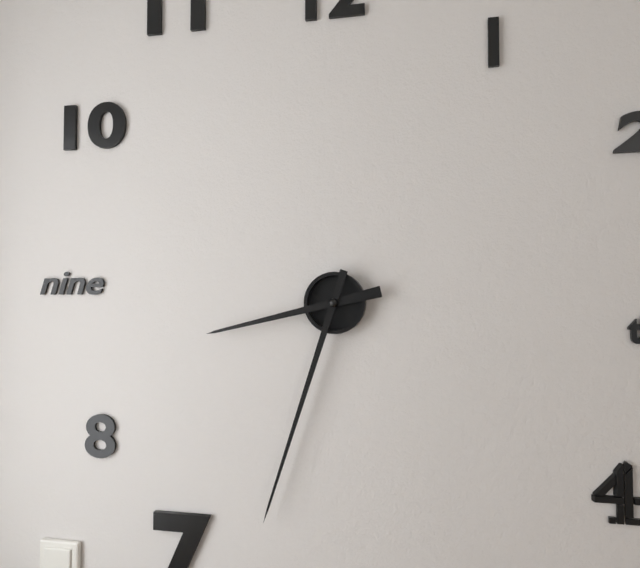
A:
8.33
